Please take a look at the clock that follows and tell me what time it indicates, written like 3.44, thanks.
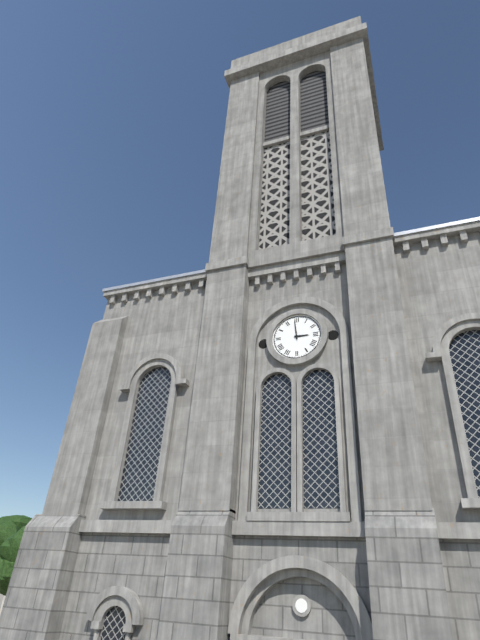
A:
2.59
